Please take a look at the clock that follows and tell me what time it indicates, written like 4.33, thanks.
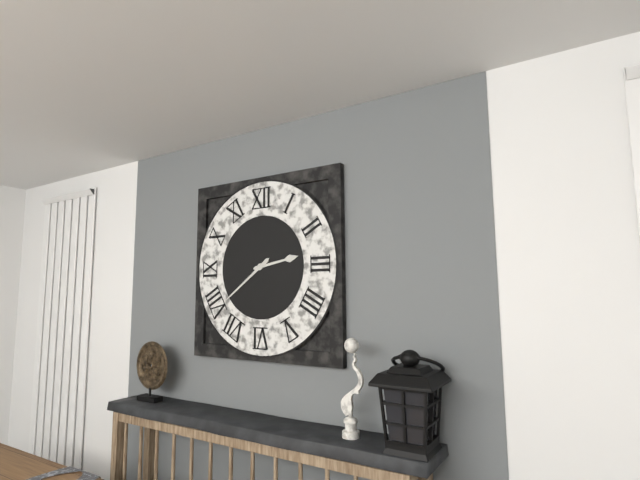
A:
2.39
